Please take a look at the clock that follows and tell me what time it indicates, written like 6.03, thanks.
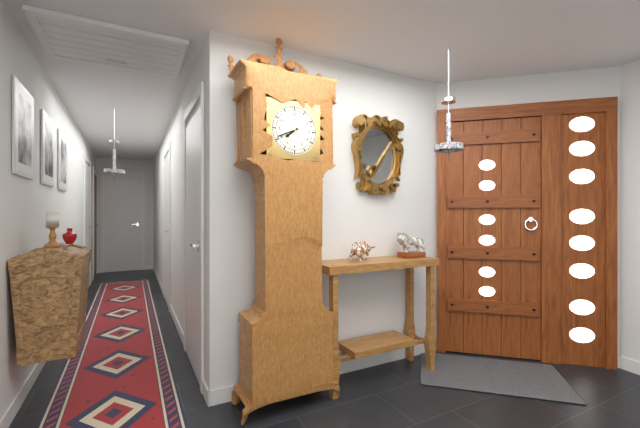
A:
7.41
